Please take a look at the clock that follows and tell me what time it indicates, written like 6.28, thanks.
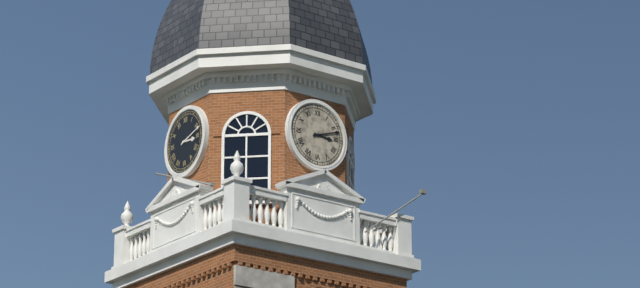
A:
3.12
